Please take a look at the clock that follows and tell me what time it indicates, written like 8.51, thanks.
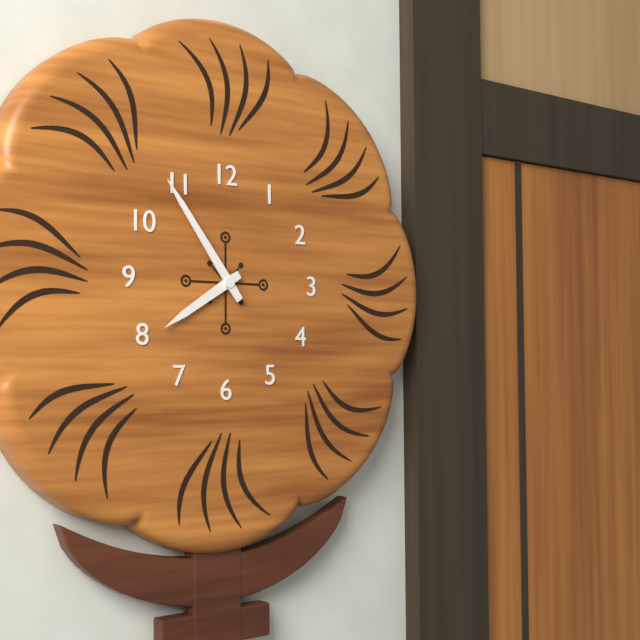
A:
7.54
